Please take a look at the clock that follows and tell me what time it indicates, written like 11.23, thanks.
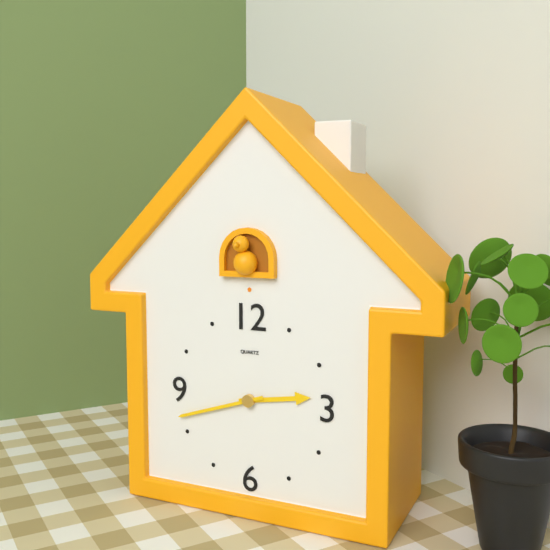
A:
2.42
